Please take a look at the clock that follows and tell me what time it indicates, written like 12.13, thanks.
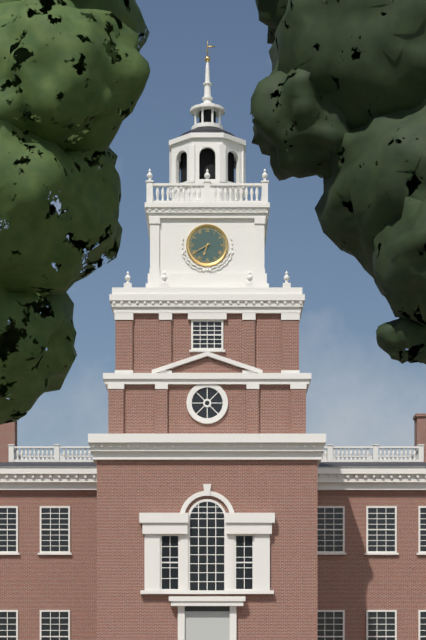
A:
6.40
